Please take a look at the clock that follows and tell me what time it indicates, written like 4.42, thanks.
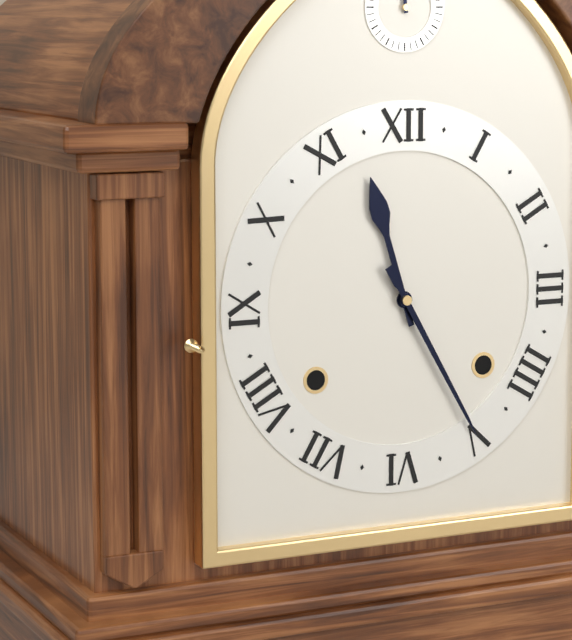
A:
11.25
